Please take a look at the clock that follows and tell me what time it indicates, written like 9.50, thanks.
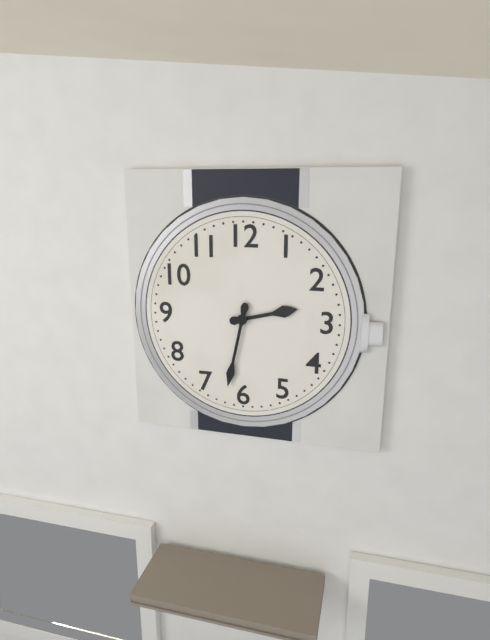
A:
2.32
